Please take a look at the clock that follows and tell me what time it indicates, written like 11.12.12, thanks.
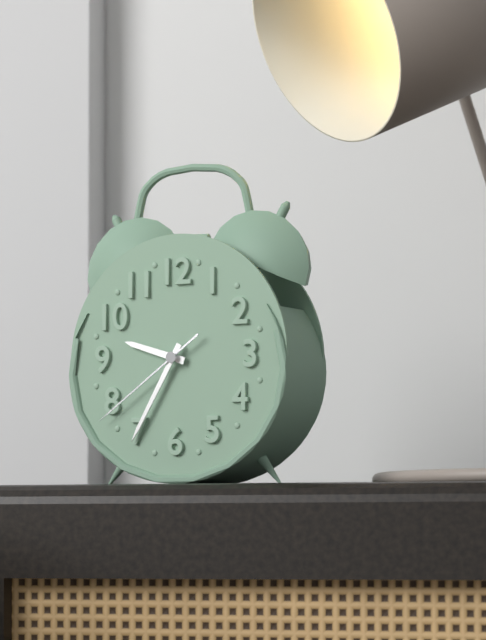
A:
9.35.39
